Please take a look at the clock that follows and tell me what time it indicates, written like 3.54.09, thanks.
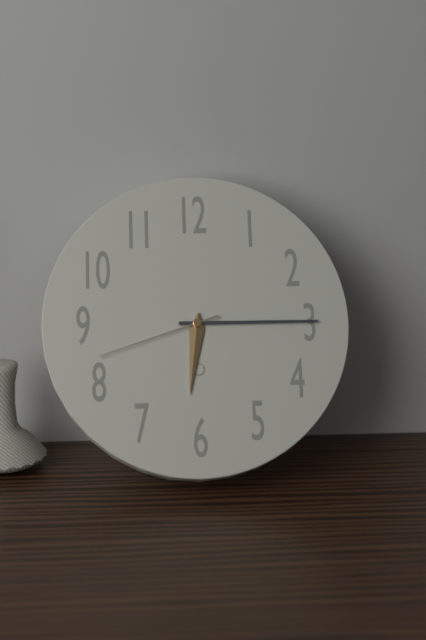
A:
6.15.42
